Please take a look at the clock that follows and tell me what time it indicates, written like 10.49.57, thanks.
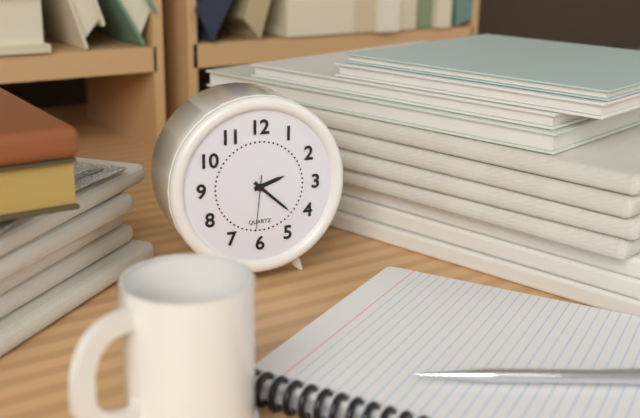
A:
2.22.31
